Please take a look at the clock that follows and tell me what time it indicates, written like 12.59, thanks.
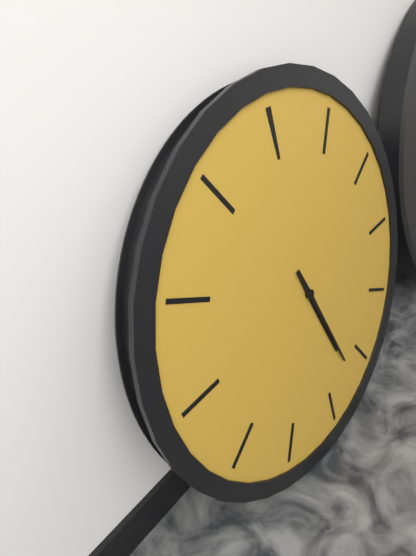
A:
5.27
